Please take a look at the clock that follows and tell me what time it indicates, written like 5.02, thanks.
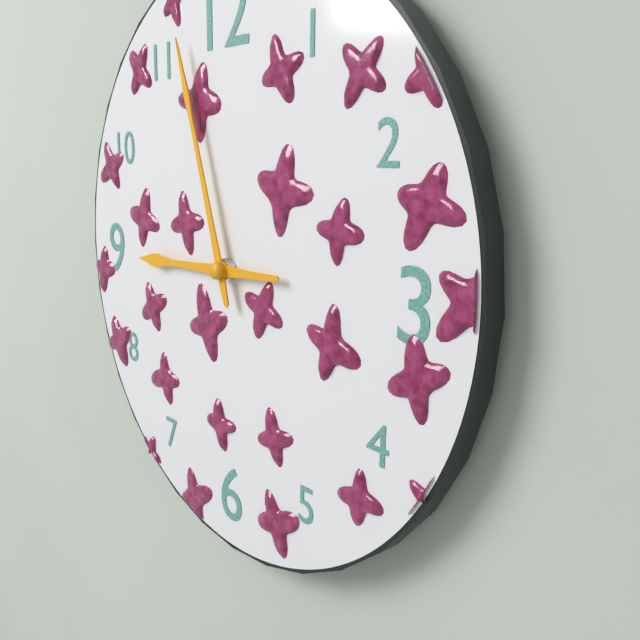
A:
8.57
